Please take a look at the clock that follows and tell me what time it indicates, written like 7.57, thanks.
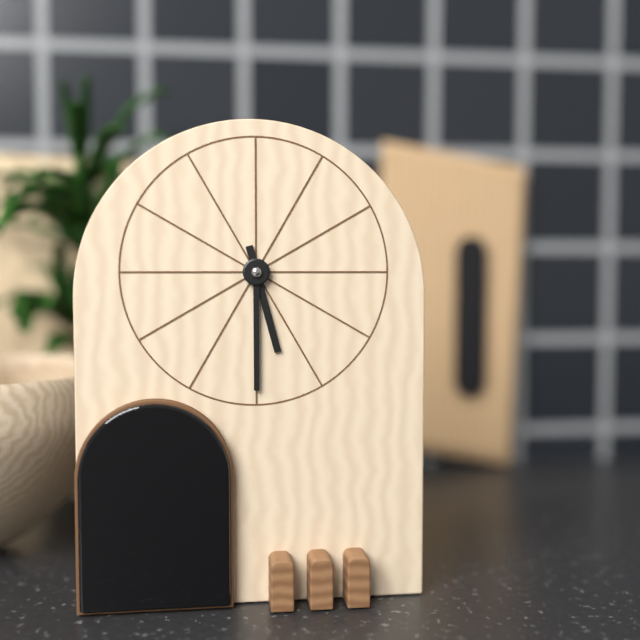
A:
5.30
